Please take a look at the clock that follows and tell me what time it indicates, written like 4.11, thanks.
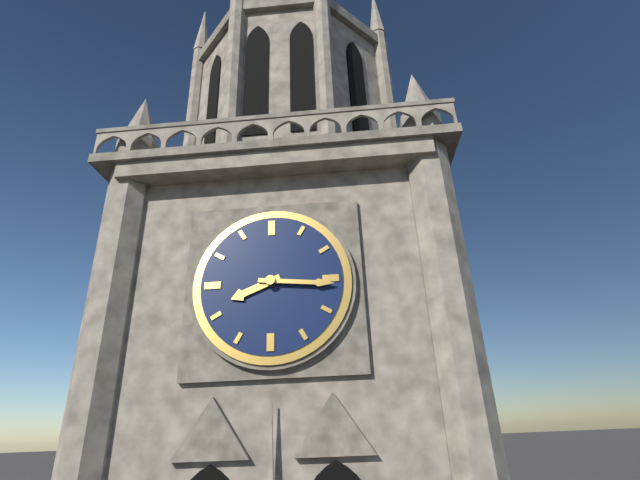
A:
8.16
